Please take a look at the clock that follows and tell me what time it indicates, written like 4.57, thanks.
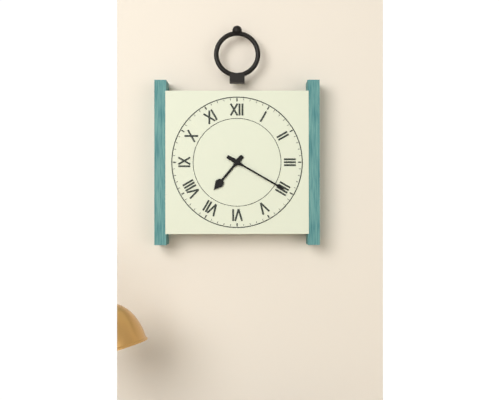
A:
7.20
